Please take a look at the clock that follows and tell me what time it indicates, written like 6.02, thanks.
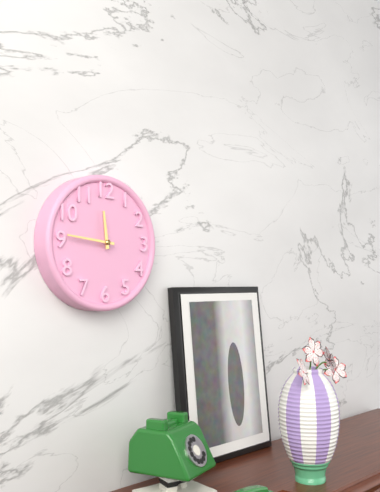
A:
11.46
